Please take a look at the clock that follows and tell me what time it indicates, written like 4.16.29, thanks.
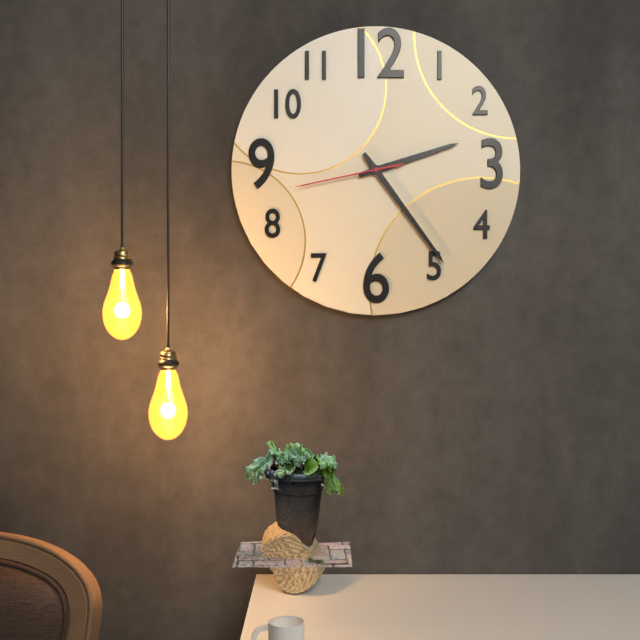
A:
2.24.43
